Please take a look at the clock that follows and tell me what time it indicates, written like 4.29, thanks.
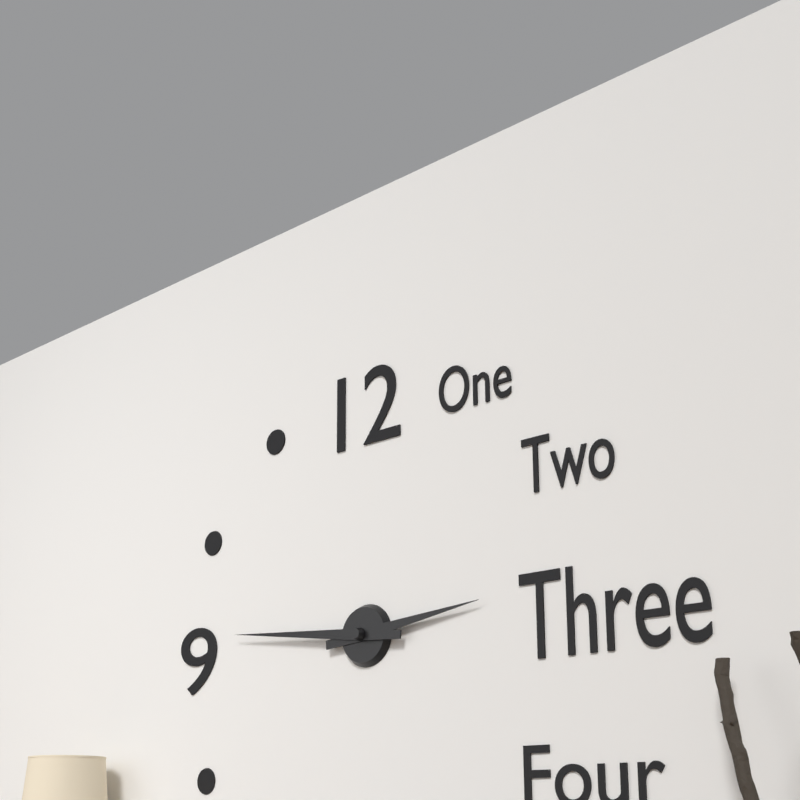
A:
2.46
